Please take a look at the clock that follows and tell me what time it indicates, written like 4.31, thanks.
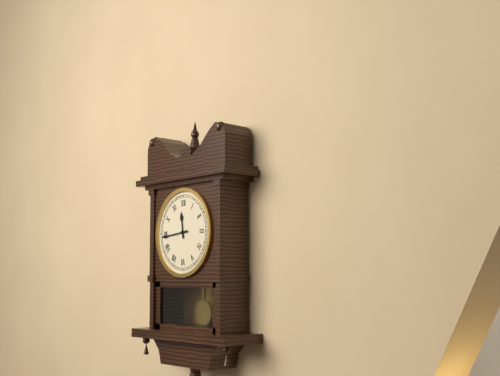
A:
11.44
